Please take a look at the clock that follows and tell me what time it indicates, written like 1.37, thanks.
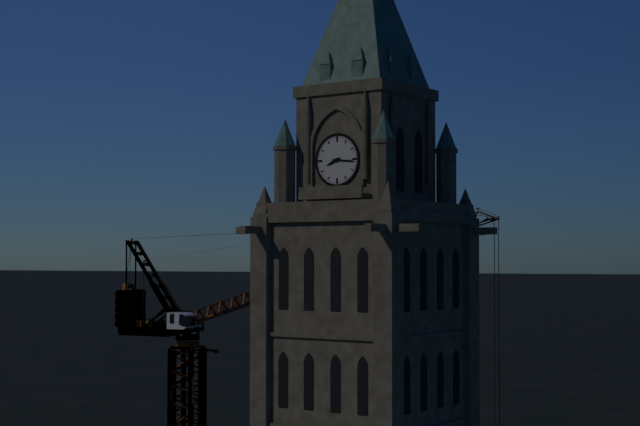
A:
8.16
